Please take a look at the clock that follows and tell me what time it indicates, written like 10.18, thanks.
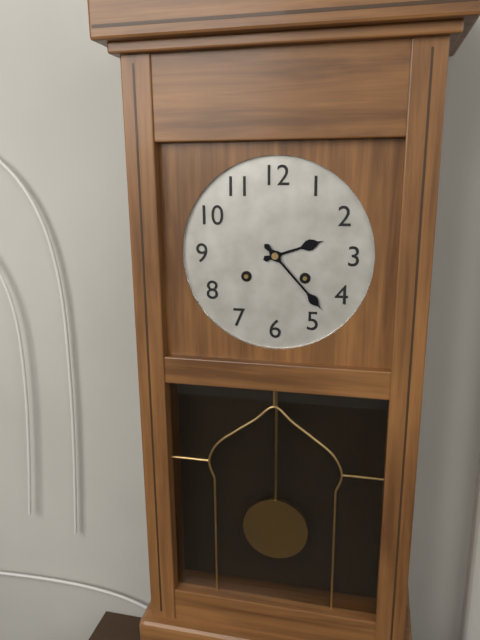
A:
2.23
